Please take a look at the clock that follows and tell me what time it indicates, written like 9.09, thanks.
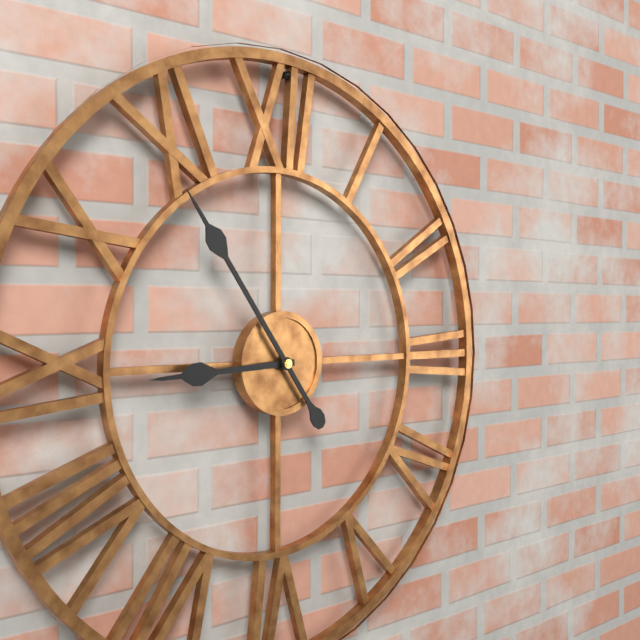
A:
8.54
